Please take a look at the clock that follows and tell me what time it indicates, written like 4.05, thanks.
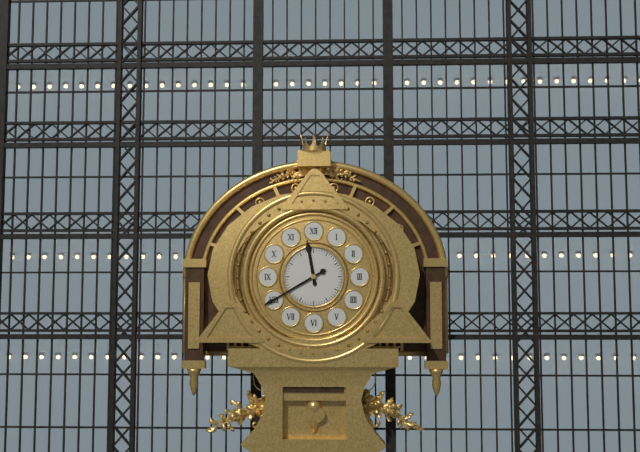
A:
11.40
